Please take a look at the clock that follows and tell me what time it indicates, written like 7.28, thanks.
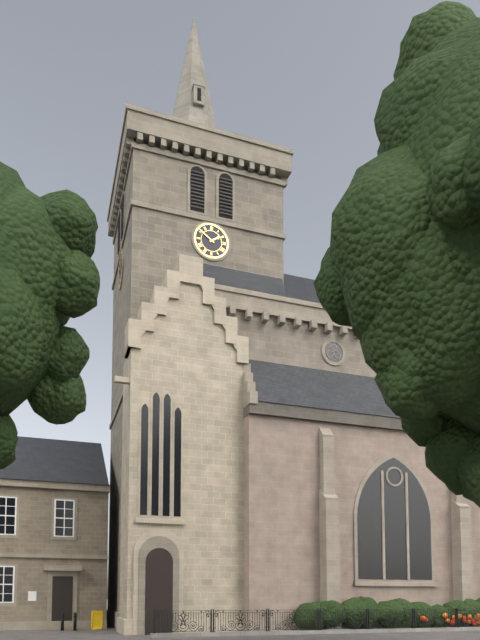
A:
1.51
